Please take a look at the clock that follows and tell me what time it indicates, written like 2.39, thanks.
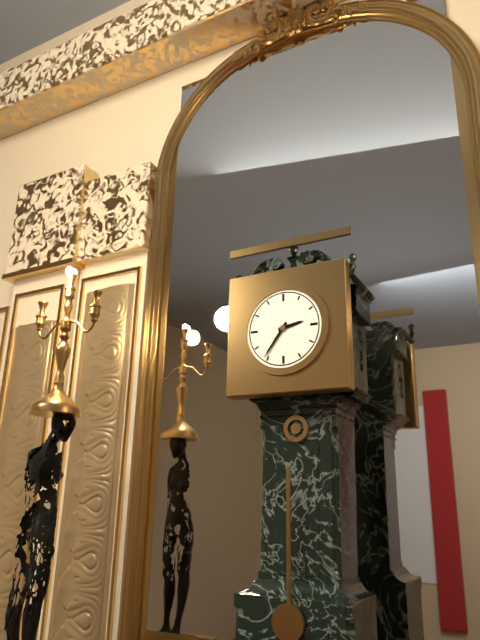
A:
2.36
